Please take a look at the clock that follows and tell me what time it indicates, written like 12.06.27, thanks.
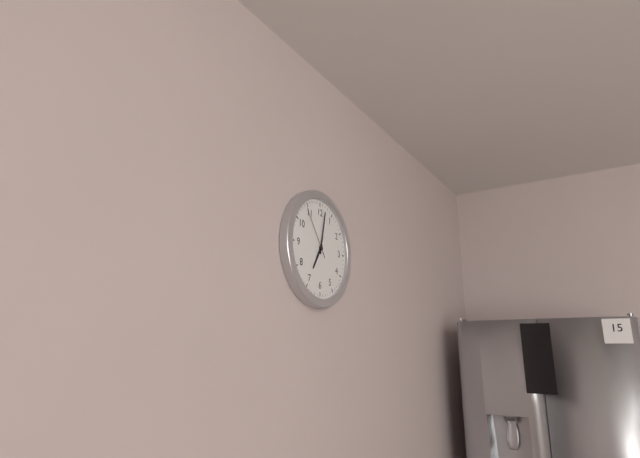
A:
7.02.54
